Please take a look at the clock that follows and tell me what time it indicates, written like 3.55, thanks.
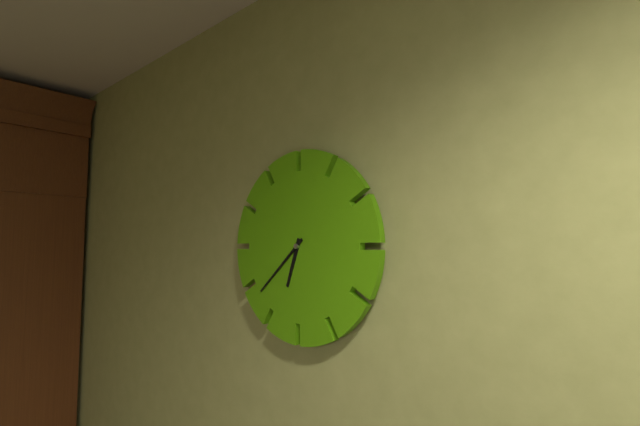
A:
6.38
